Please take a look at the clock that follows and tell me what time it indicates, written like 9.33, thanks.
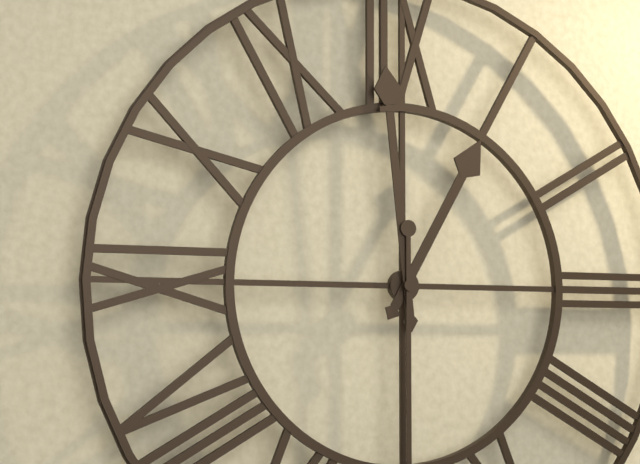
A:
12.59
